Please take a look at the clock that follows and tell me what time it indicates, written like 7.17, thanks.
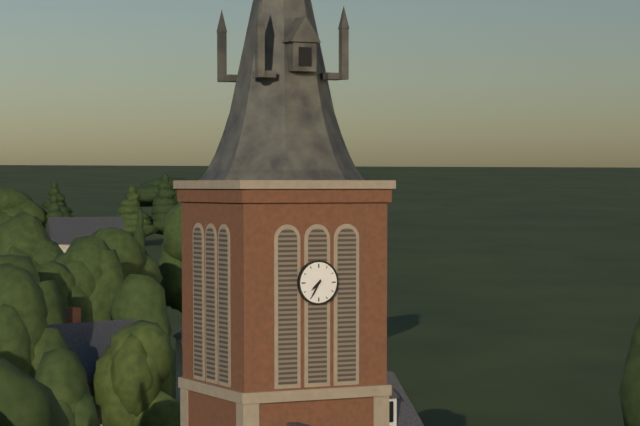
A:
7.35
